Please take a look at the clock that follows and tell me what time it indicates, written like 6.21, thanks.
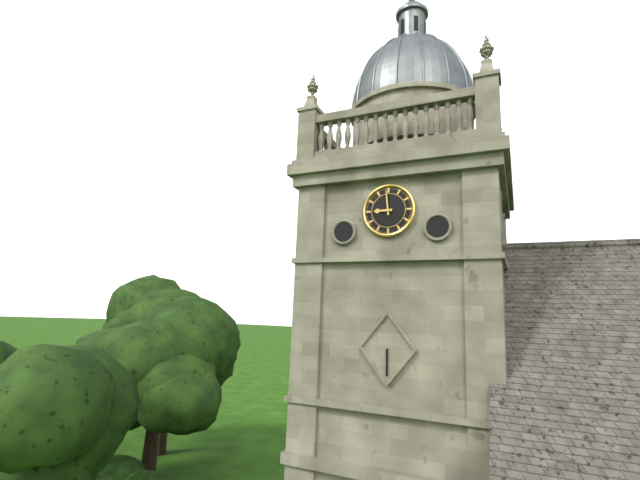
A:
8.59
